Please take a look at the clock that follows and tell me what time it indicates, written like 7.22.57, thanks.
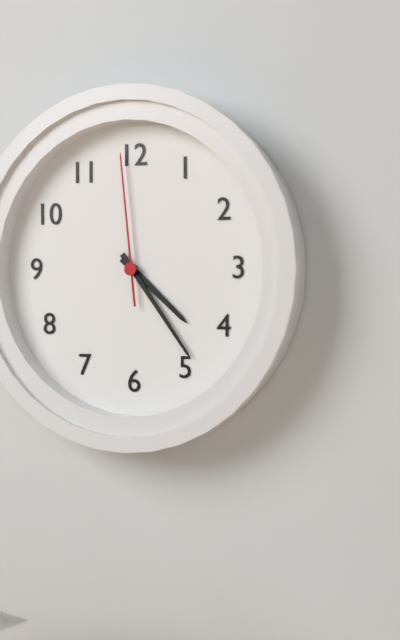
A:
4.24.59
